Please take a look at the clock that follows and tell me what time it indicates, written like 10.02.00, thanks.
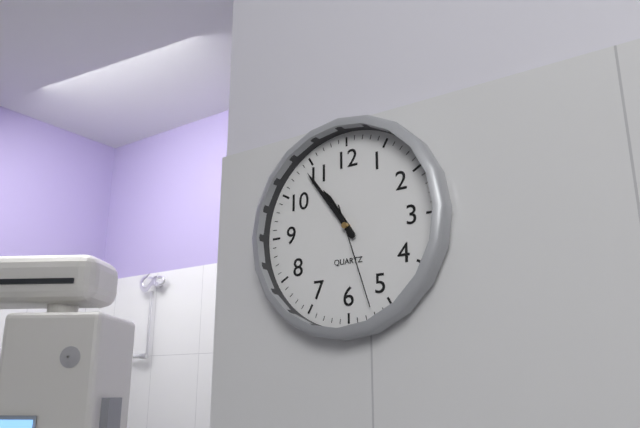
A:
10.54.27
